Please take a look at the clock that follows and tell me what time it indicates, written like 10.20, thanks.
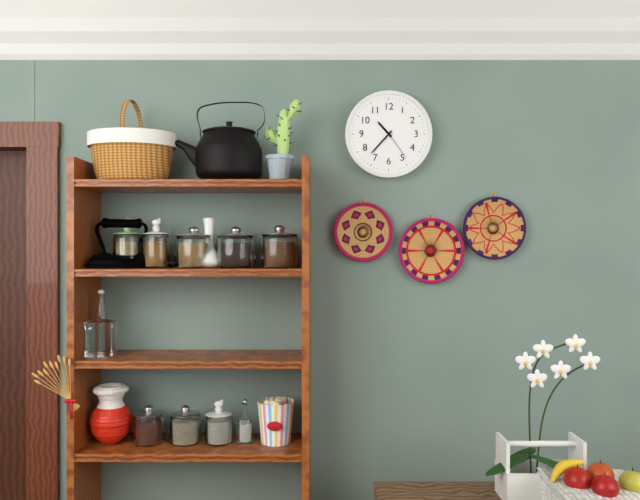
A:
10.37
